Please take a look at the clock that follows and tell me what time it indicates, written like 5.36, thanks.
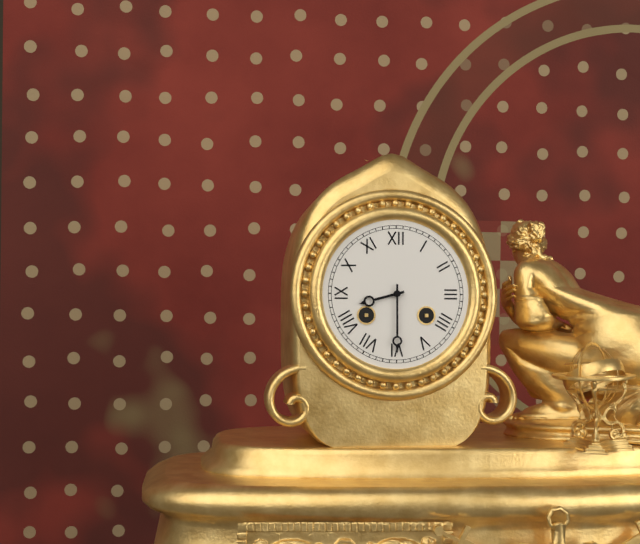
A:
8.30
